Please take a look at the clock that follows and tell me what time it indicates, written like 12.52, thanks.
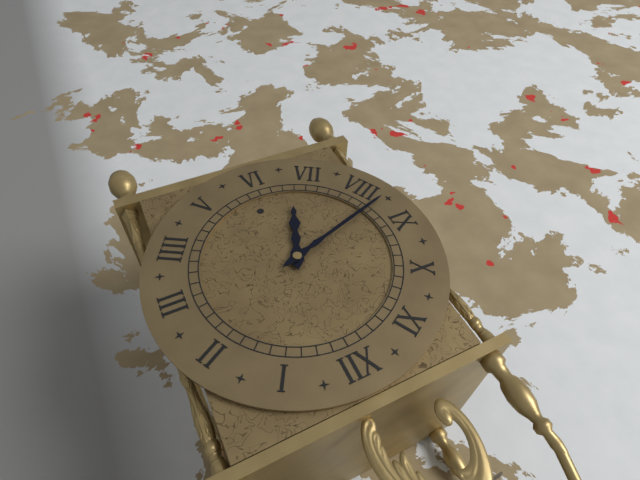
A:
6.42
